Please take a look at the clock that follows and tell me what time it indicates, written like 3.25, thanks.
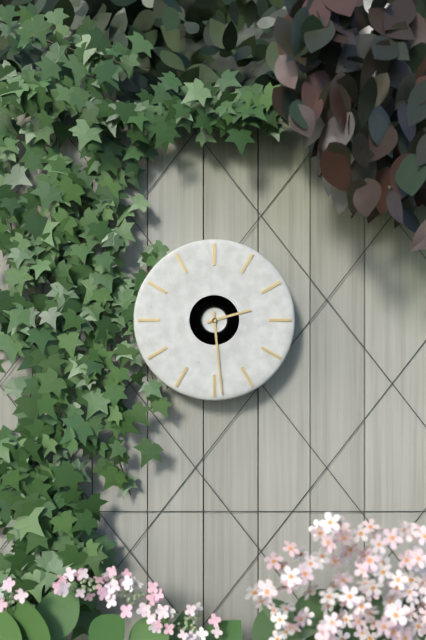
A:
2.29
